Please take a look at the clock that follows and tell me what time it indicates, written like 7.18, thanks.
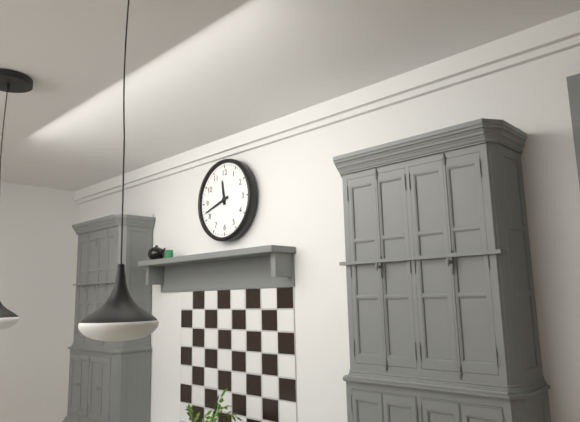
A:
11.42
